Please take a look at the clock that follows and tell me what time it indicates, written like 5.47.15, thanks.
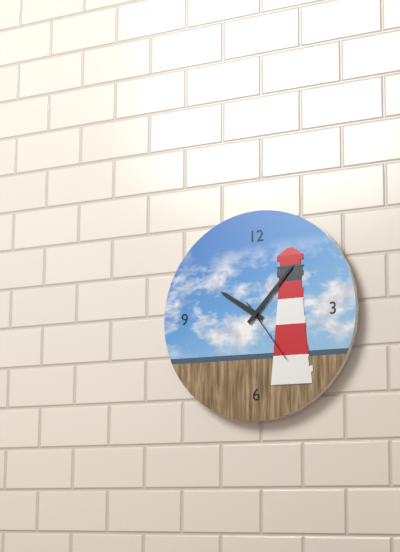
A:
10.07.24
